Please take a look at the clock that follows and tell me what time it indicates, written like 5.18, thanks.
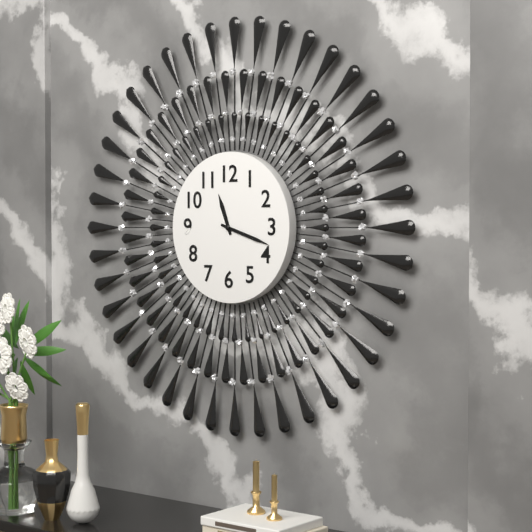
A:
11.18
